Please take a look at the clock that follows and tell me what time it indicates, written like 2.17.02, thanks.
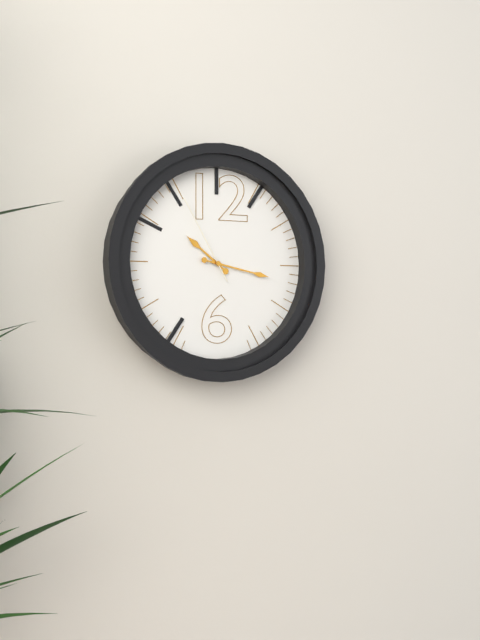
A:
10.17.55
